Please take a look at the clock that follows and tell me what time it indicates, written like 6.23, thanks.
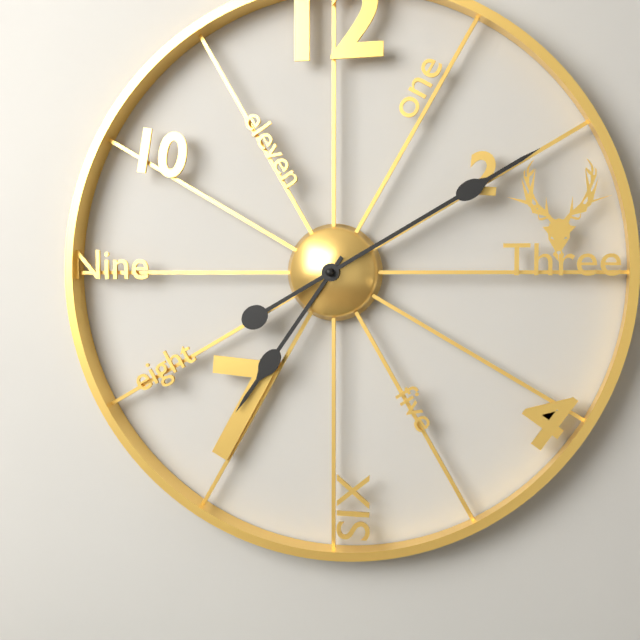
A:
7.10
